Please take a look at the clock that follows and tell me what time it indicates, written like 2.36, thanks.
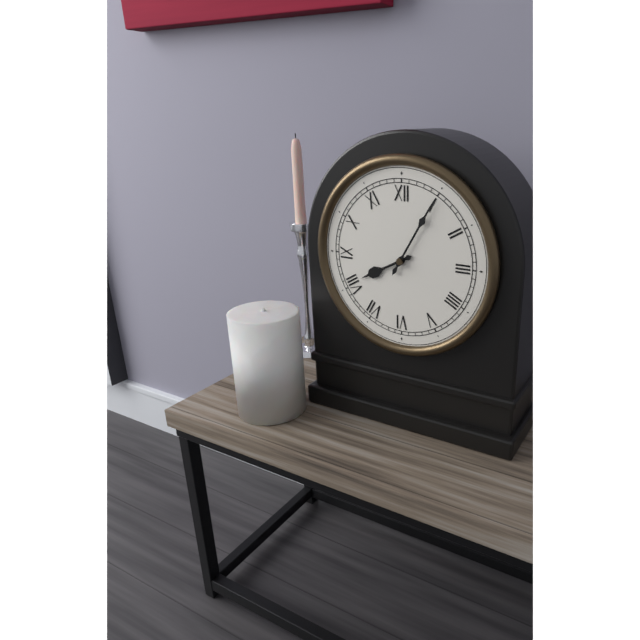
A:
8.05
